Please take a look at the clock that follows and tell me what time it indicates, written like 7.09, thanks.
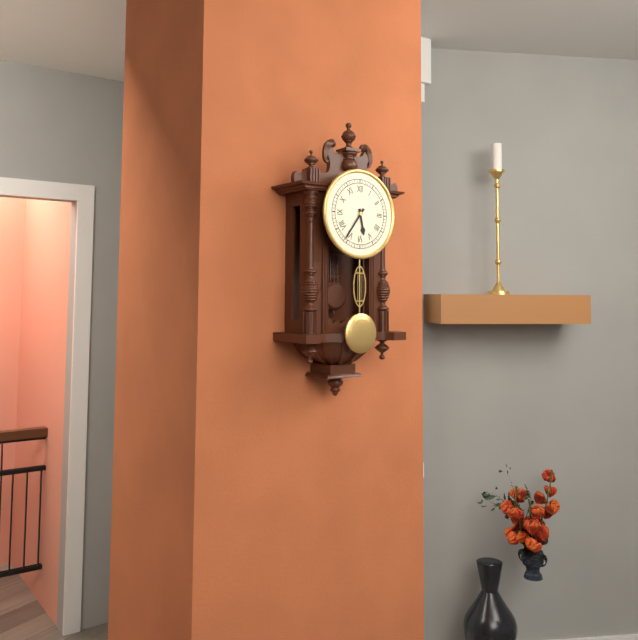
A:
5.36
